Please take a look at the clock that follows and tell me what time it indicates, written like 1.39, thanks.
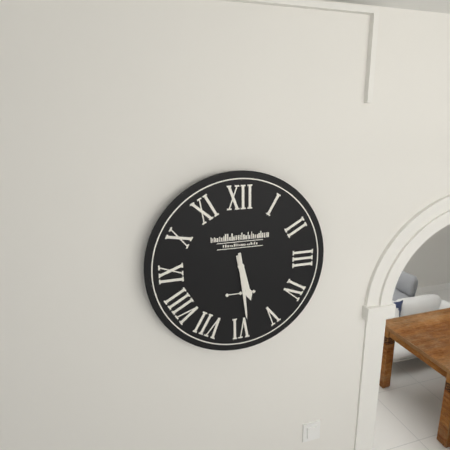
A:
5.29
